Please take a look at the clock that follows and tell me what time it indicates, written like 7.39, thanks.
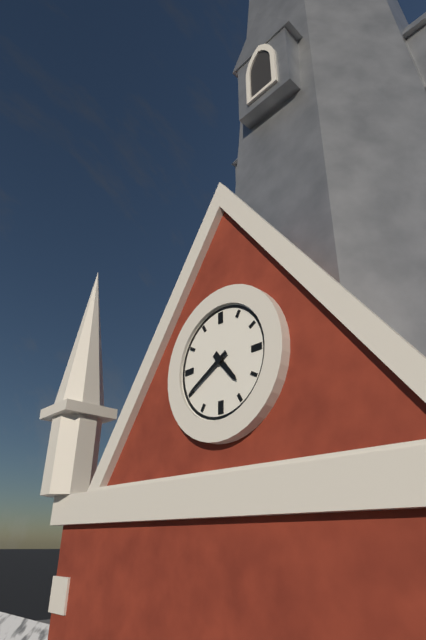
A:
4.40
